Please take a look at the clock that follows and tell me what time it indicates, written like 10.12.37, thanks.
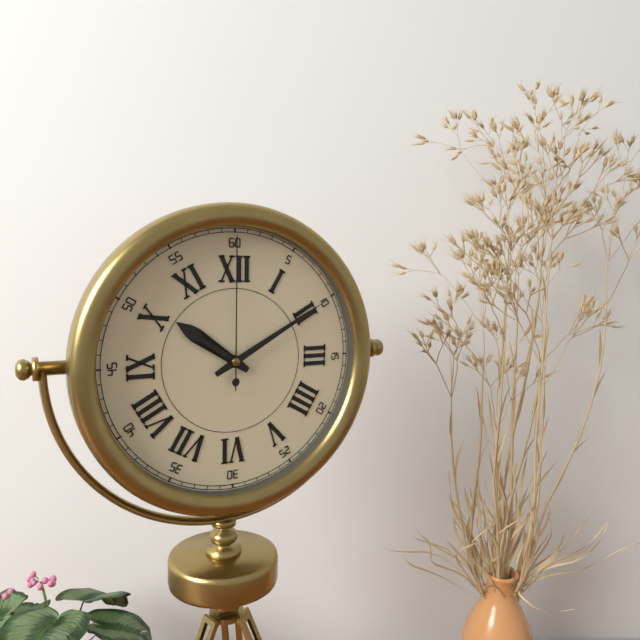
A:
10.10.00
